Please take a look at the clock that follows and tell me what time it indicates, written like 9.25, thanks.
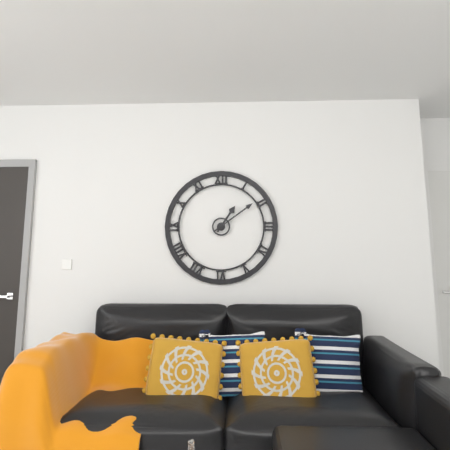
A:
1.09
